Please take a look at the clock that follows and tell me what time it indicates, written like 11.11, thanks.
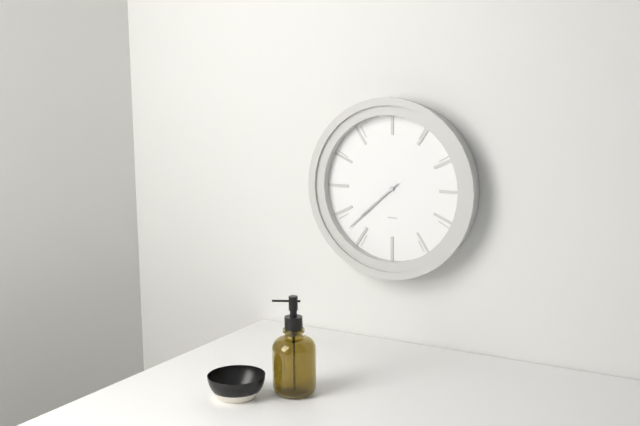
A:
7.38
